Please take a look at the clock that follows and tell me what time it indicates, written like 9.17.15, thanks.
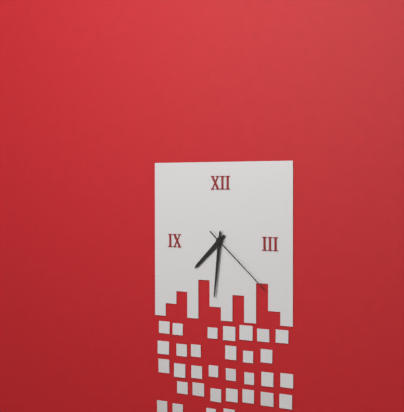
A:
7.31.22
